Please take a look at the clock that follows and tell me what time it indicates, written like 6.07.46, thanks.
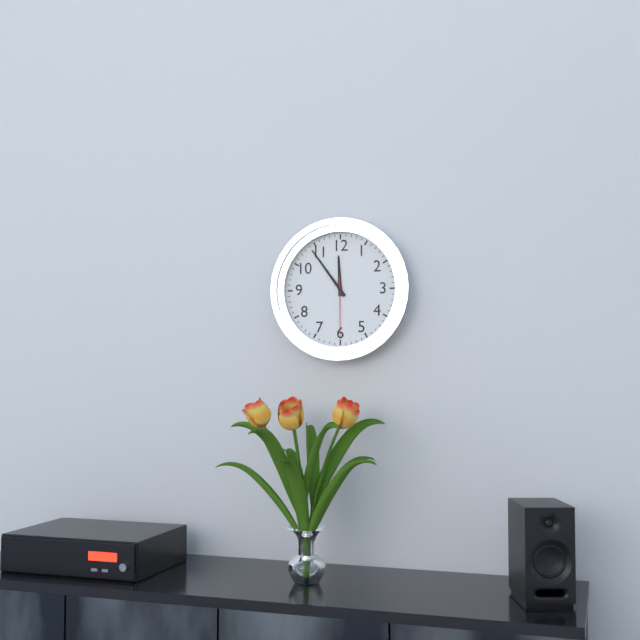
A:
11.54.30
